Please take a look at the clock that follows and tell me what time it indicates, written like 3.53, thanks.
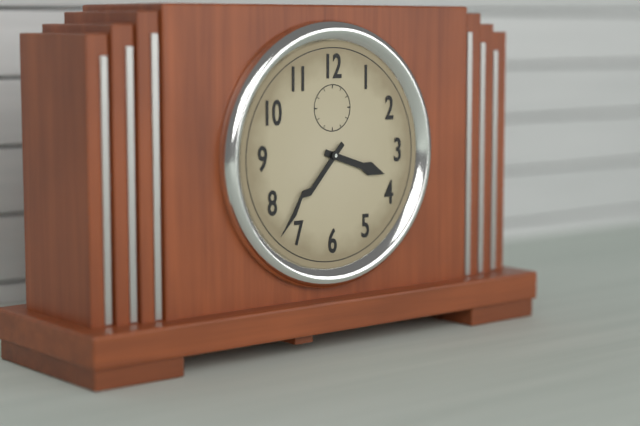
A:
3.37
